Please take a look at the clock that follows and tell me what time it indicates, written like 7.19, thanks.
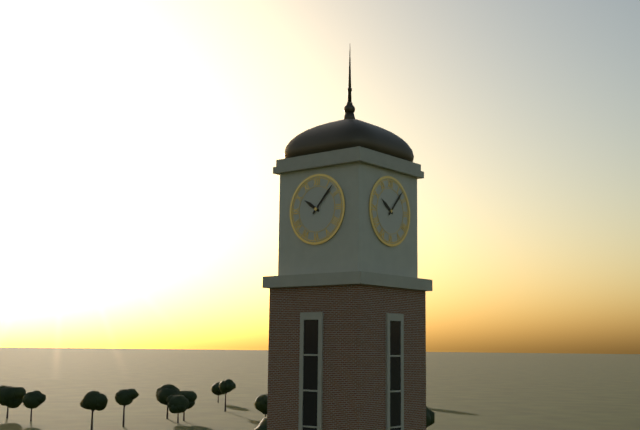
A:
10.07
